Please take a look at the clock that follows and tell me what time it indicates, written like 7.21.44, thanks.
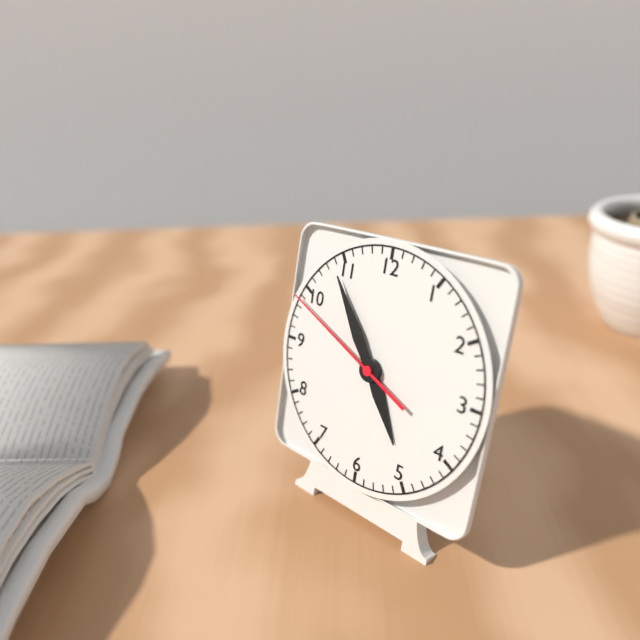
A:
4.54.49
